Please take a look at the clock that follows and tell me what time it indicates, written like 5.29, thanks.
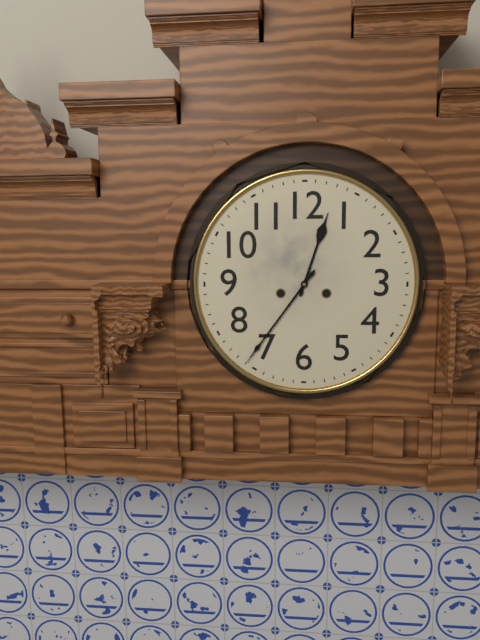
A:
12.36
